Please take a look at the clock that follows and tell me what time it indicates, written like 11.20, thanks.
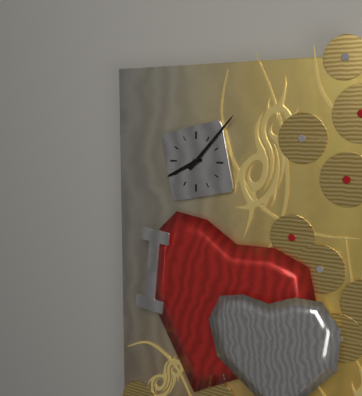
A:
8.07
